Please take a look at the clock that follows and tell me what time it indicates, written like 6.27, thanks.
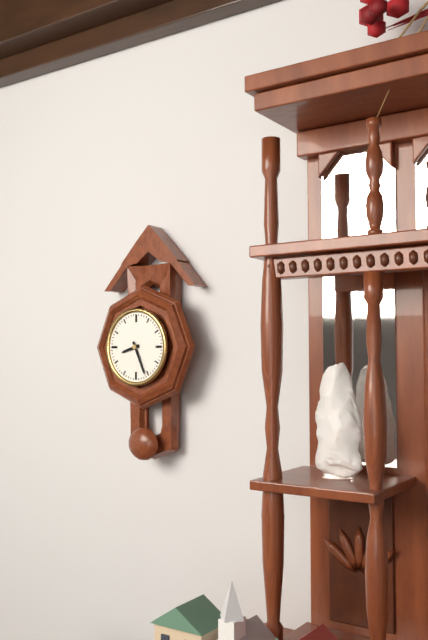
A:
8.26
